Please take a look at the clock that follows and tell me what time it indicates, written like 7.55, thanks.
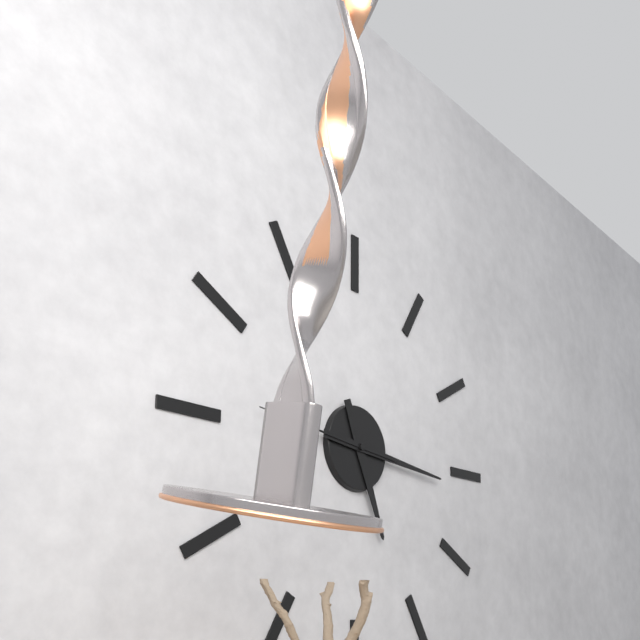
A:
5.16
